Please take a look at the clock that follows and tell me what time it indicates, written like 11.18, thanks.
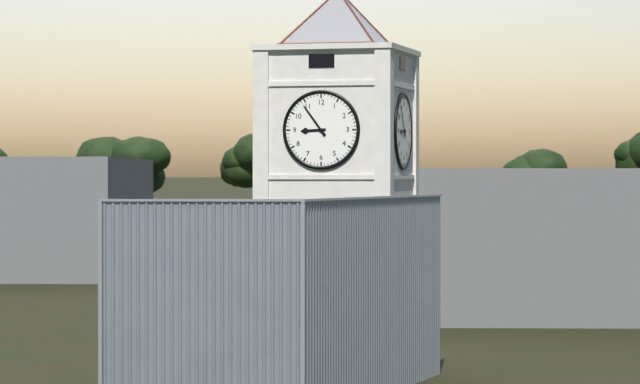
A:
8.54
